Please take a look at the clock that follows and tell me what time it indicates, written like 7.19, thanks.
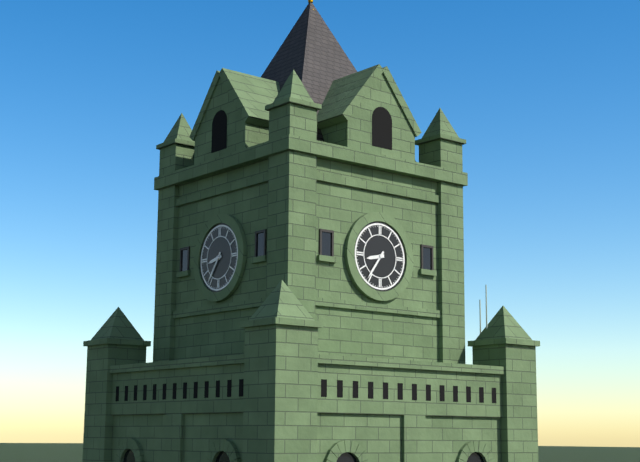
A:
8.36
